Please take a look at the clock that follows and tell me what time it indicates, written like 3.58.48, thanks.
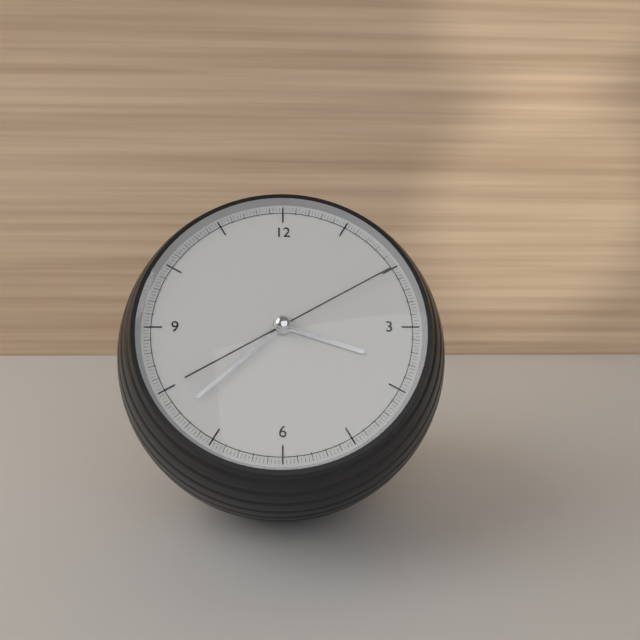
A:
3.38.10
